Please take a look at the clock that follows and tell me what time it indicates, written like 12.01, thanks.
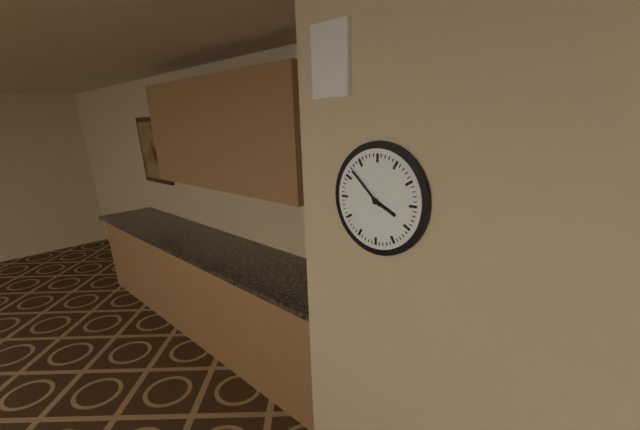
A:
3.52
